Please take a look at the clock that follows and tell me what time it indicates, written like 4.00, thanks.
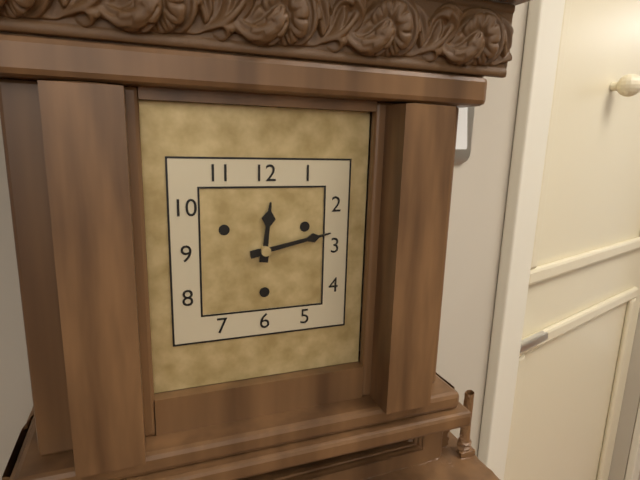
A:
12.13
